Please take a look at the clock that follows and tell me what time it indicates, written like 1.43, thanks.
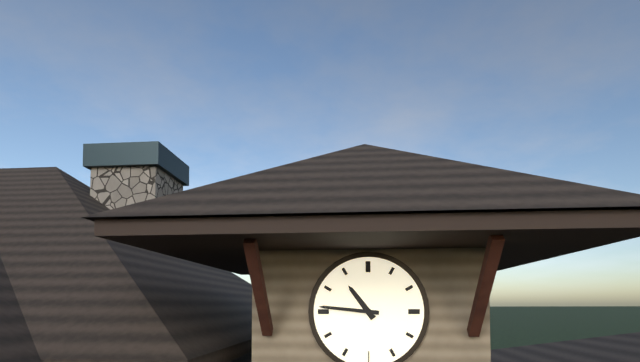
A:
10.46
